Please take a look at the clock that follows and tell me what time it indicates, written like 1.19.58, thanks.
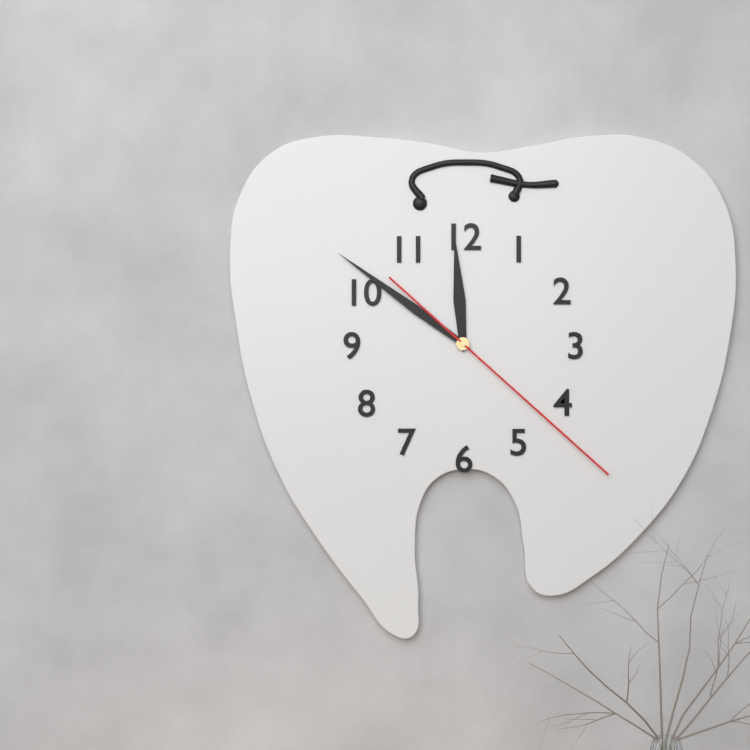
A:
11.51.22
